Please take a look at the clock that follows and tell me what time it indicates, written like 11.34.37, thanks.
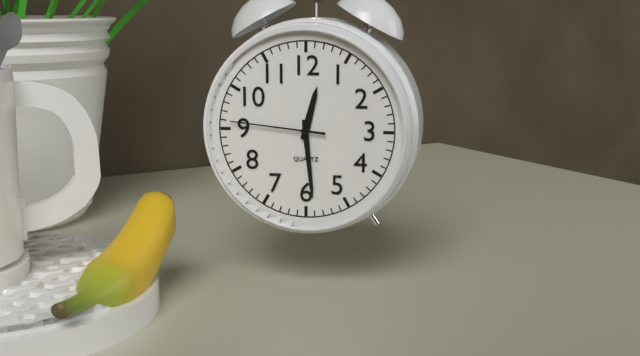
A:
12.29.46
